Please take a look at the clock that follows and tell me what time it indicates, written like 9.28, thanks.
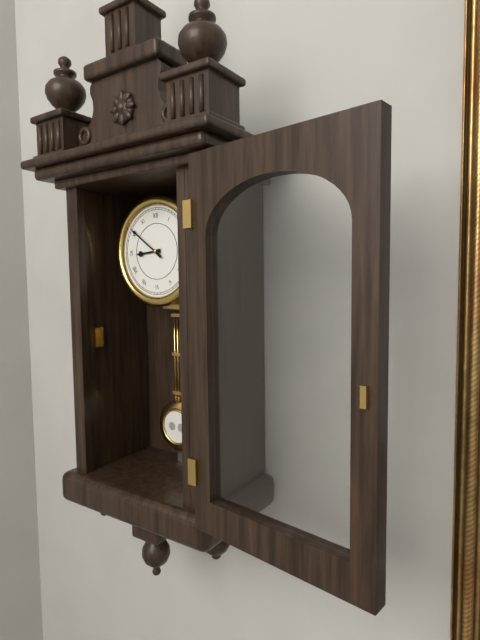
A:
8.51
